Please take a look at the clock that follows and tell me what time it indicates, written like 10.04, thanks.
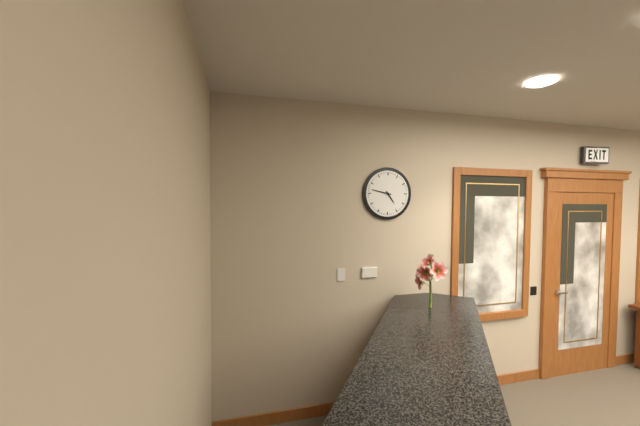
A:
4.47
